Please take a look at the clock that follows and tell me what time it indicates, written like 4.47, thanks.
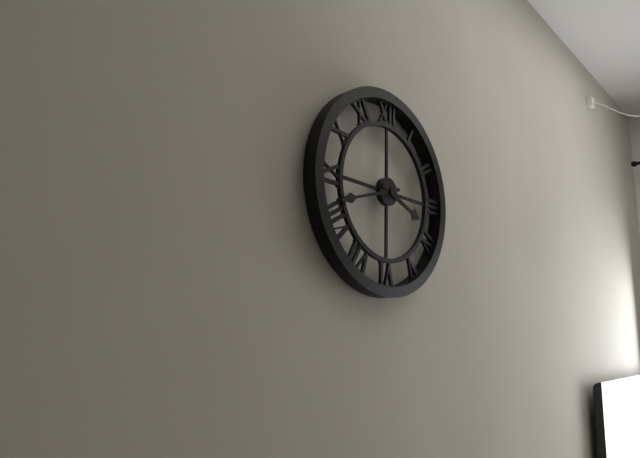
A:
3.42
